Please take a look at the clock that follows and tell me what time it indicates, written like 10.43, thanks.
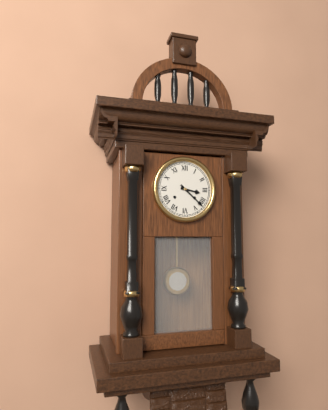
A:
3.22
